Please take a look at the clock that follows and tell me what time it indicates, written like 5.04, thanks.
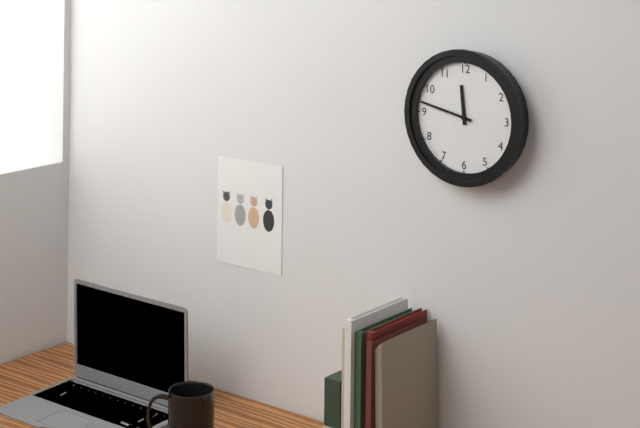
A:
11.47
